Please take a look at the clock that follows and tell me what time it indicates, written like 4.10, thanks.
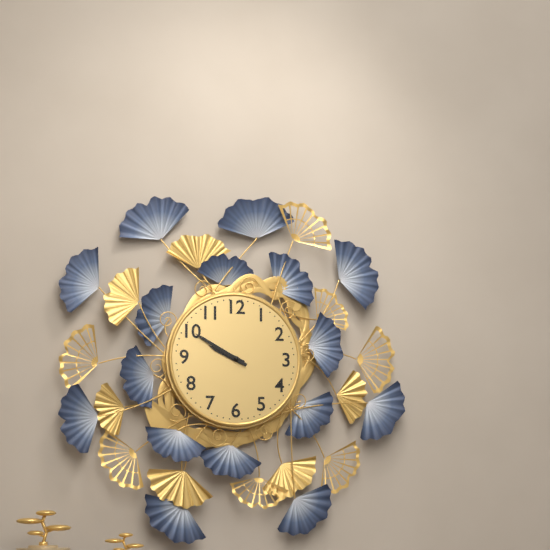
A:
9.50
